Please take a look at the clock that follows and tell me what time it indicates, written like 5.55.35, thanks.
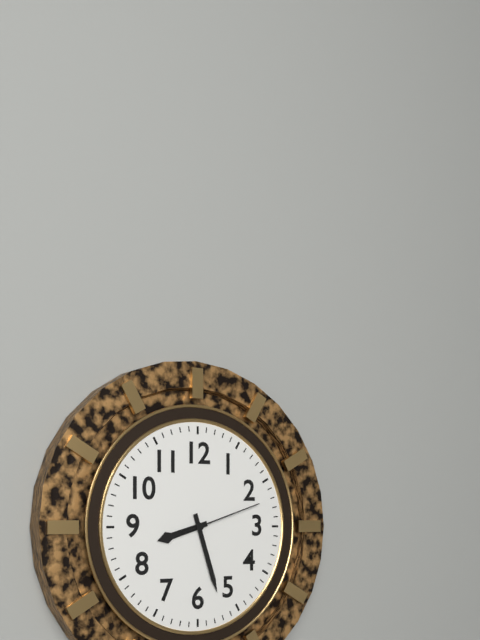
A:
8.27.12
